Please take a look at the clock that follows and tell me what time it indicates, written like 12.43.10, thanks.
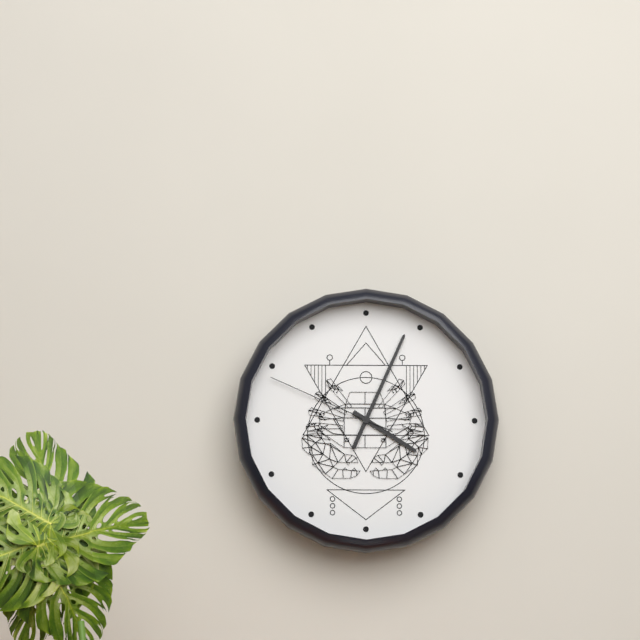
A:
4.04.49
